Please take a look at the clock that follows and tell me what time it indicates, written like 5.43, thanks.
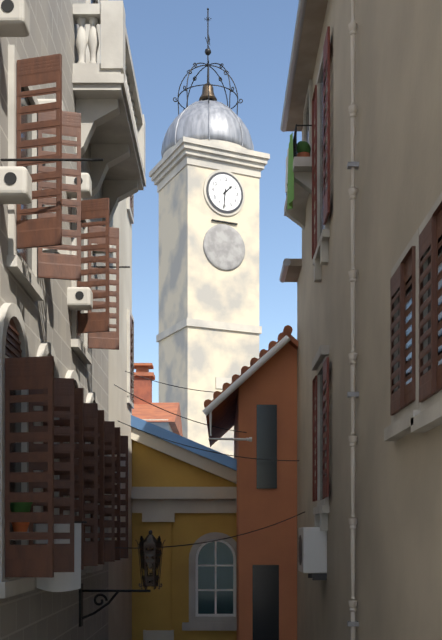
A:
1.31
